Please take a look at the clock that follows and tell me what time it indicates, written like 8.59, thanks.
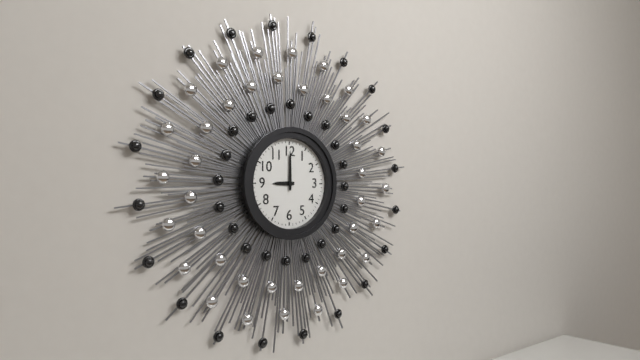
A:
9.00
